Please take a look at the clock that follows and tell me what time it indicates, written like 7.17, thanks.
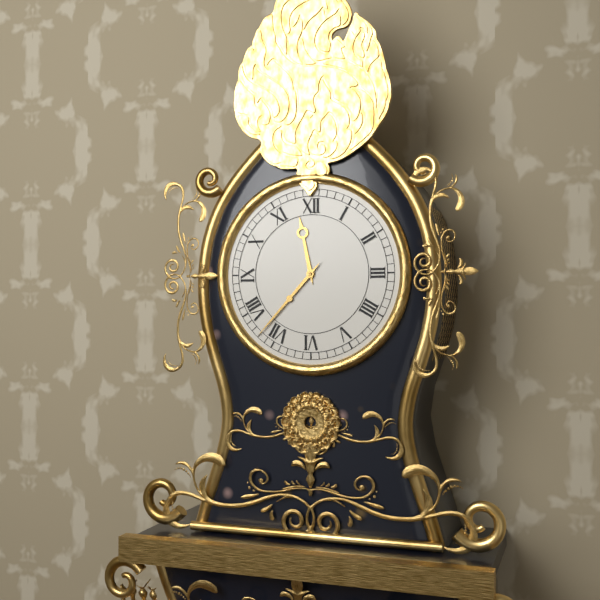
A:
11.37
